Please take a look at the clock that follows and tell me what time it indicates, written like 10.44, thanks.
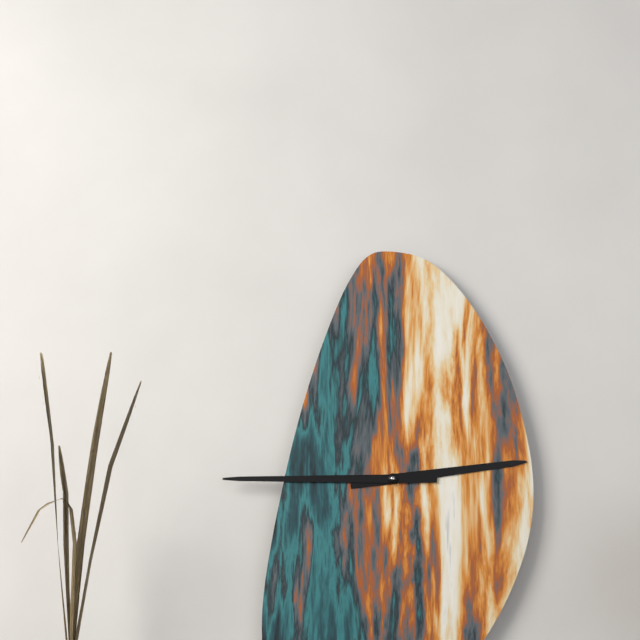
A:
2.45
